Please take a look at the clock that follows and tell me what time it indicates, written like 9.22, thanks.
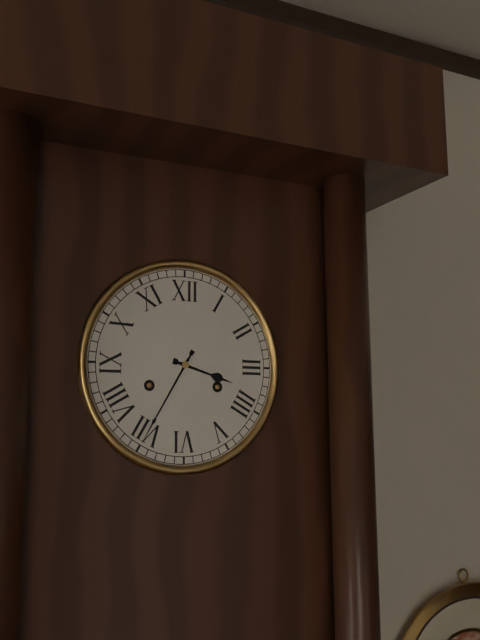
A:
3.35
